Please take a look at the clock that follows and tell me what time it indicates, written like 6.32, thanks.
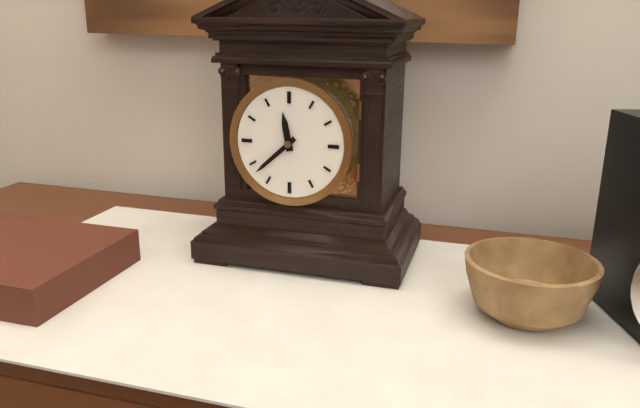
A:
11.38
